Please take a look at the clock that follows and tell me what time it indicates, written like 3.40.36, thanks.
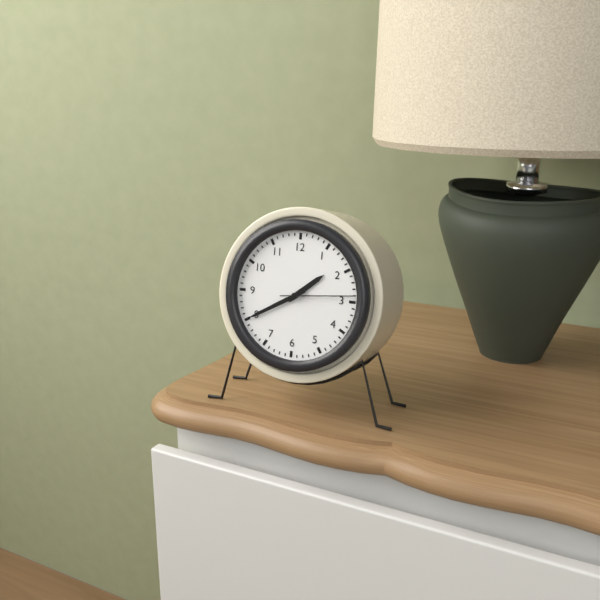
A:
1.40.14
